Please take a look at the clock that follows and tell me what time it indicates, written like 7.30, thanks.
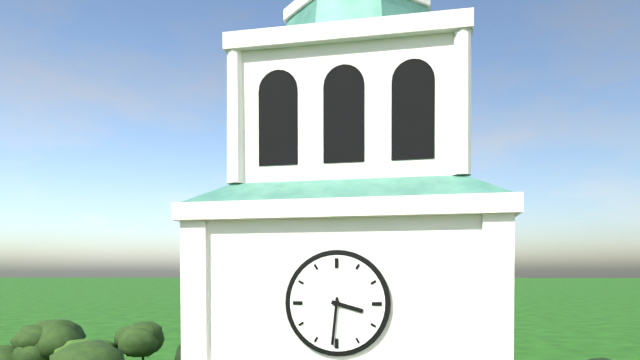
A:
3.31
